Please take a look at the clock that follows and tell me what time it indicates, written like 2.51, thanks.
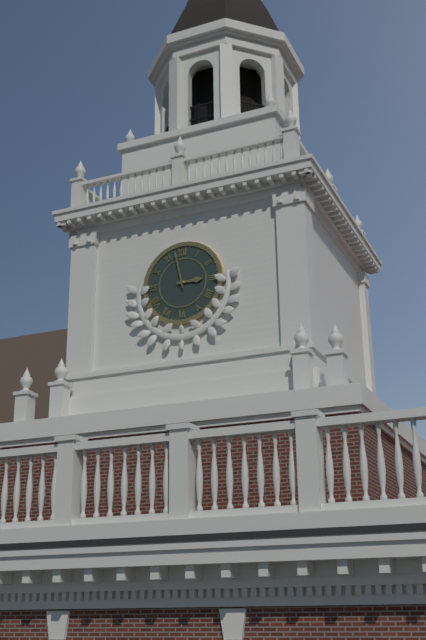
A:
2.58
